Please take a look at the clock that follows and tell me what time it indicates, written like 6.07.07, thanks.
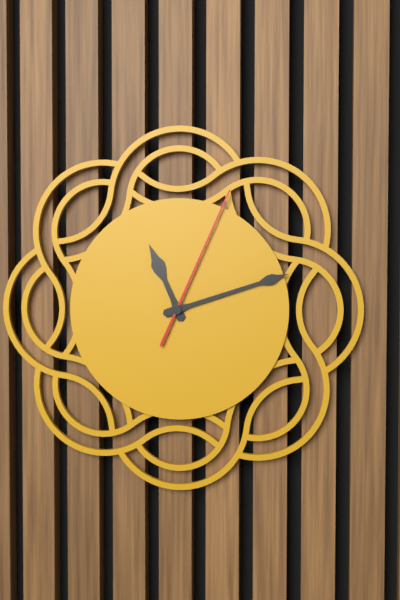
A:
11.12.04
